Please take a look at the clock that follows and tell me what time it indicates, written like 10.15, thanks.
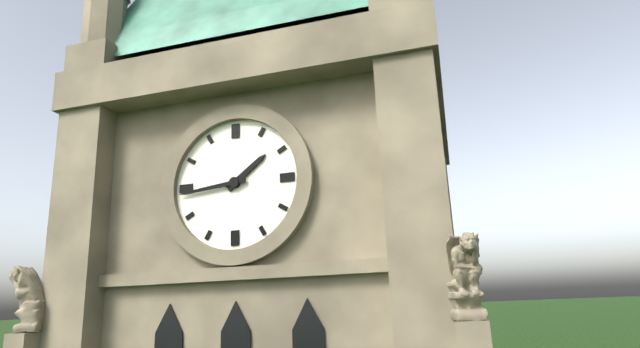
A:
1.44
